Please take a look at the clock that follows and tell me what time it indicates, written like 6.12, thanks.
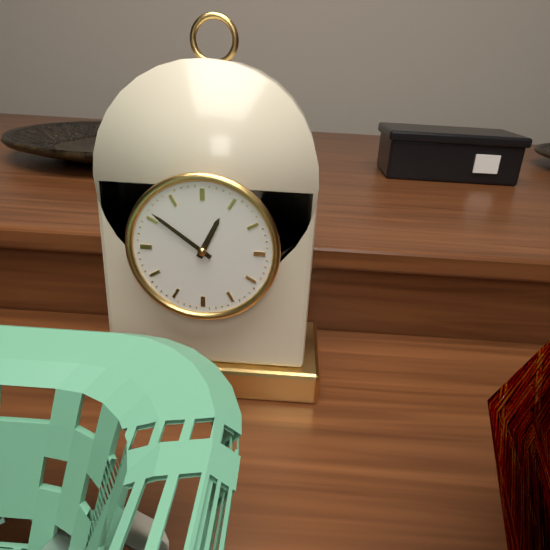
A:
12.51
